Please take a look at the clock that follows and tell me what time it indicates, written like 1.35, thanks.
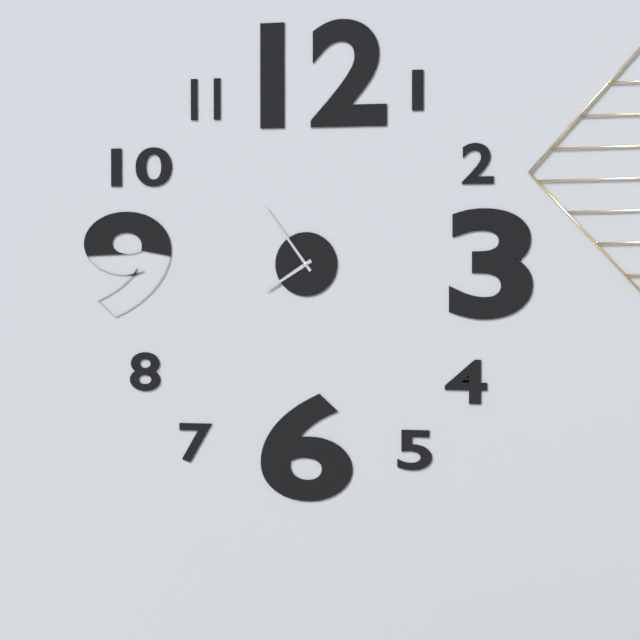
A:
7.54
